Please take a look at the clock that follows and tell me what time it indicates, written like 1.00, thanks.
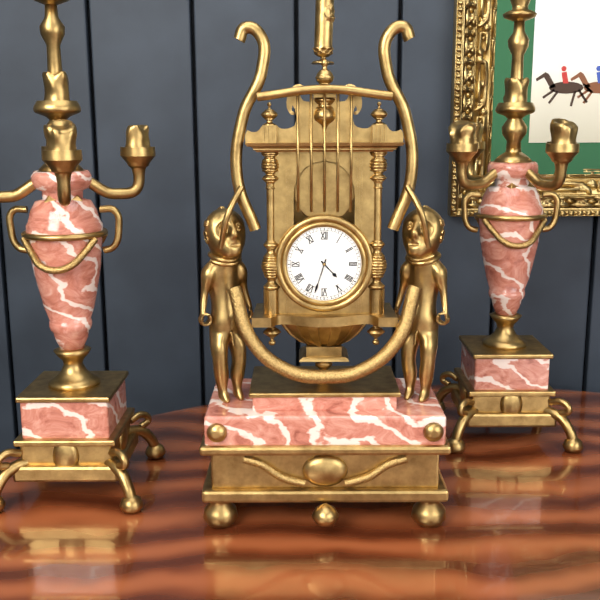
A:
4.33
